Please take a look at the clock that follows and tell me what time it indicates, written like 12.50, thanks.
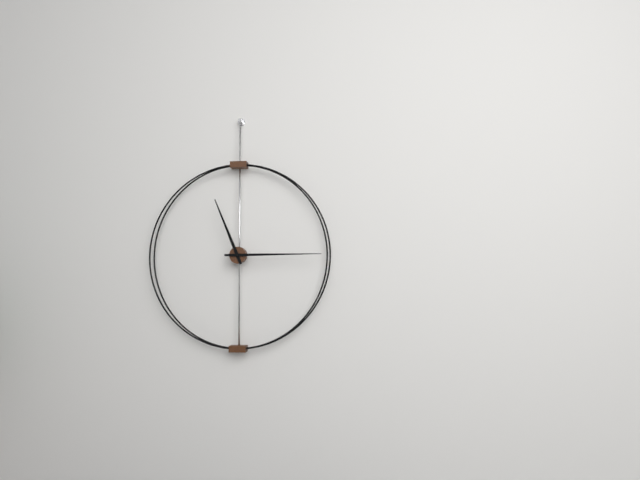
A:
11.15
